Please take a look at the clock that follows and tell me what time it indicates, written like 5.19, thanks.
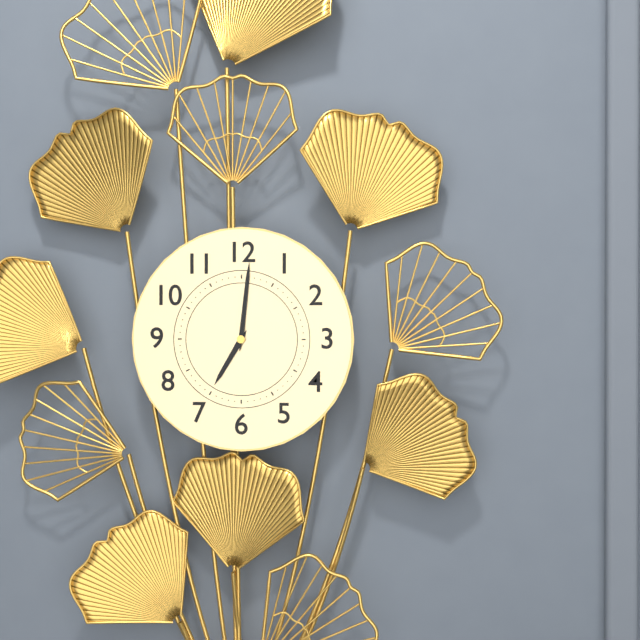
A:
7.01
